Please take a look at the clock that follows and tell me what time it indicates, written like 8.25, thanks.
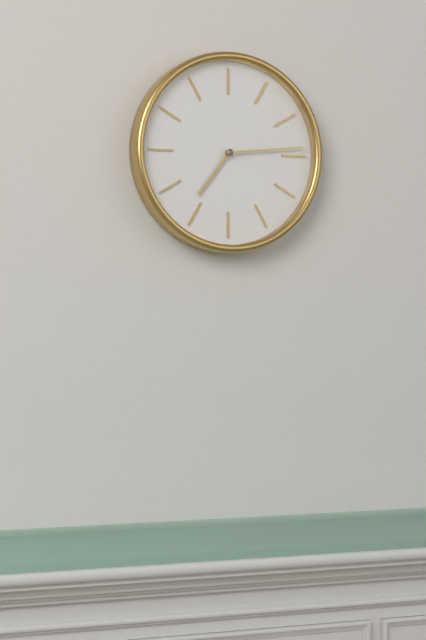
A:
7.14
